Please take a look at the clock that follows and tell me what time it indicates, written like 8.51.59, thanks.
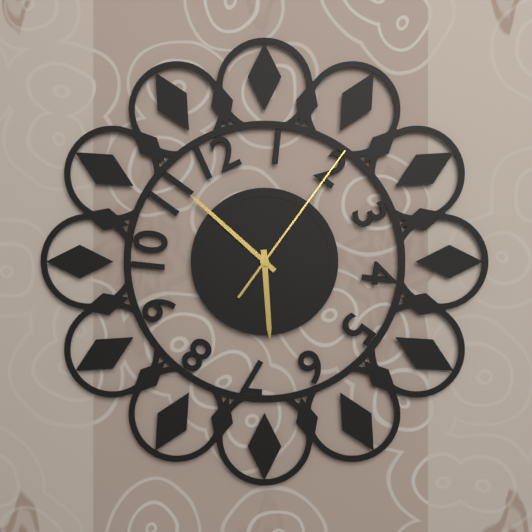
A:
5.52.06
